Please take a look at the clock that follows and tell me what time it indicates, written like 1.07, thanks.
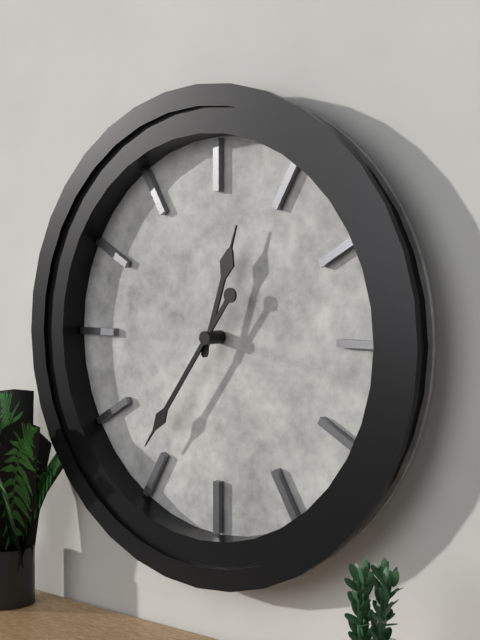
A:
12.36
